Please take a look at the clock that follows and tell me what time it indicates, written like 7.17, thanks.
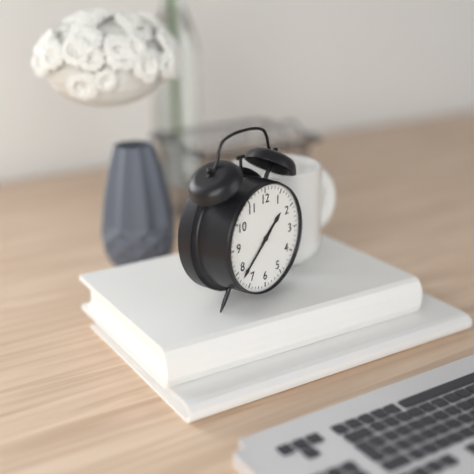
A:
1.38
